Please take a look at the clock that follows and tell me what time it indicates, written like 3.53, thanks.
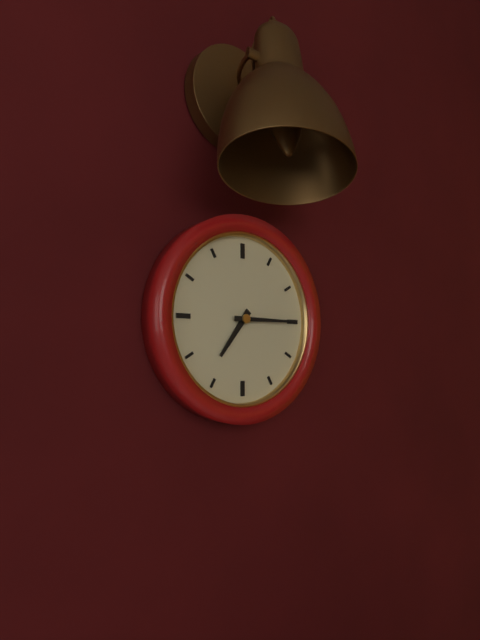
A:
7.15
